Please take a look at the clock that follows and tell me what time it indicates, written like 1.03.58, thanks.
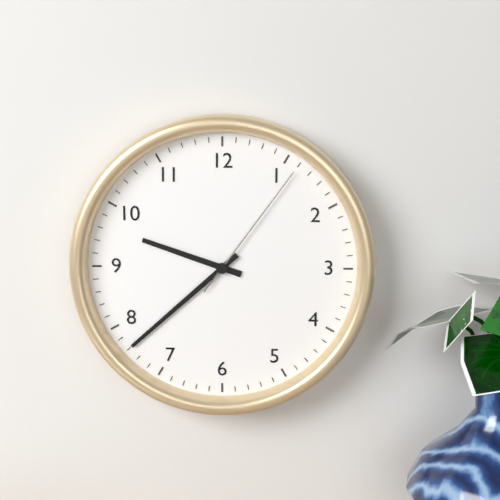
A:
9.38.06
